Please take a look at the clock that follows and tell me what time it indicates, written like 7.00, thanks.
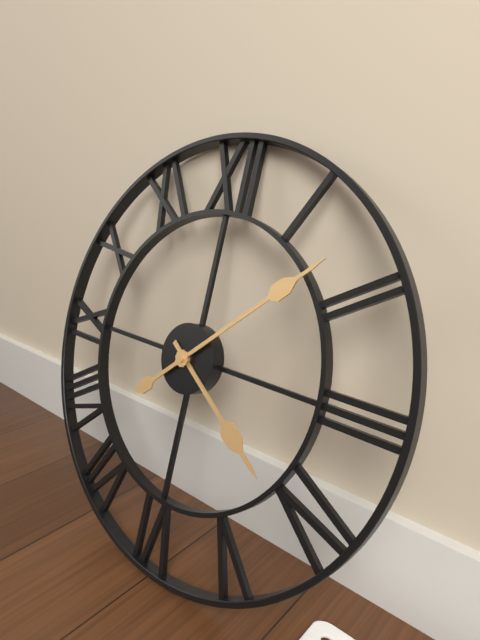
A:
4.08
